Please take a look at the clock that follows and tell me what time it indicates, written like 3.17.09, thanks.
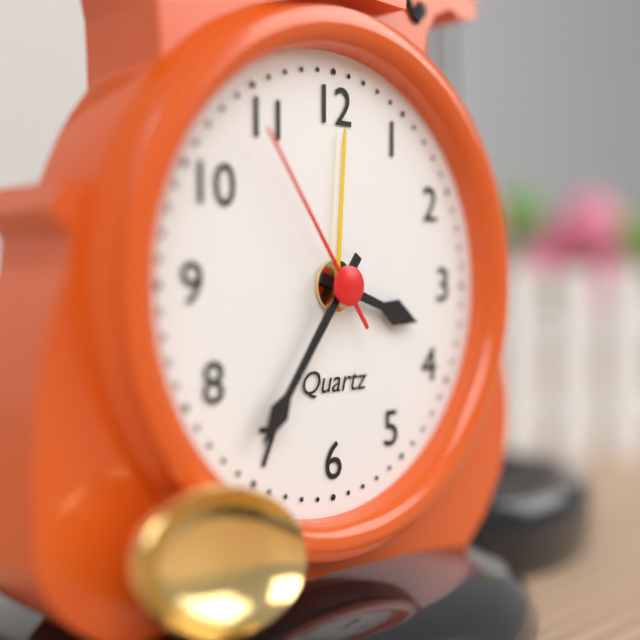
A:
3.36.54
